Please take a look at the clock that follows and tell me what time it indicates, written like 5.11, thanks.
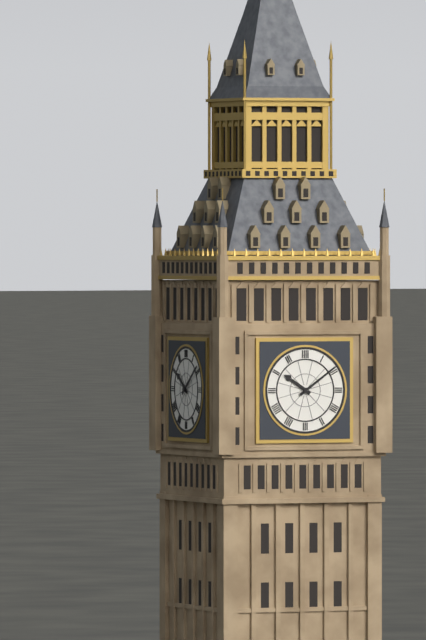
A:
10.09
